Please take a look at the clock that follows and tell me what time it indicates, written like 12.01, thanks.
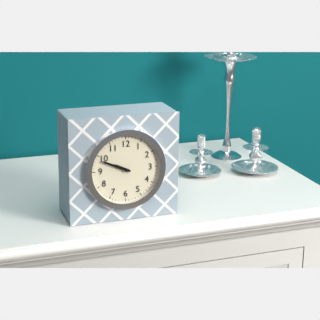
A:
9.49
